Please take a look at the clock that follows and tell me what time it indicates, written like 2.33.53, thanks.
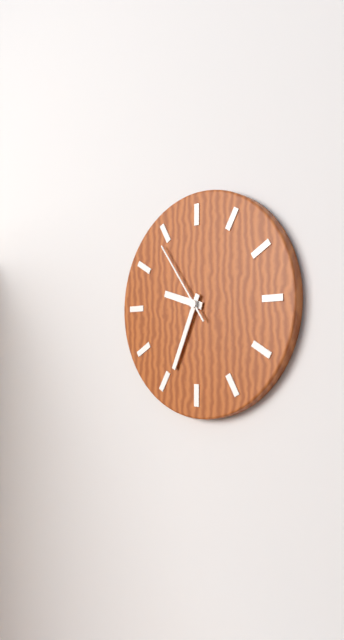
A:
9.34.54
